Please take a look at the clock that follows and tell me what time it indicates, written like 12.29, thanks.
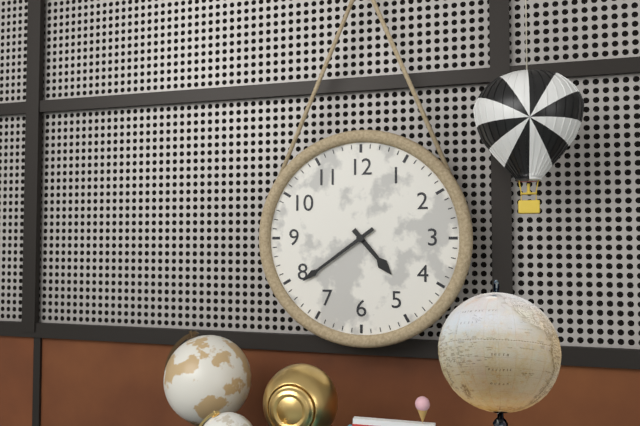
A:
4.39
